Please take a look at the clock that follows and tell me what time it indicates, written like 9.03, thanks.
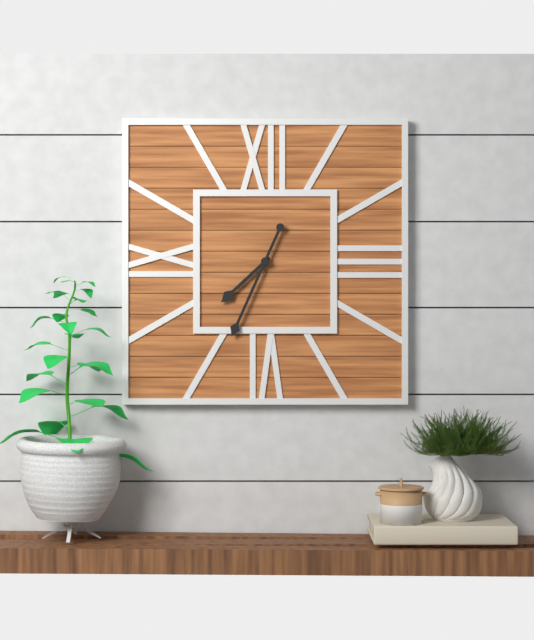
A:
7.34
